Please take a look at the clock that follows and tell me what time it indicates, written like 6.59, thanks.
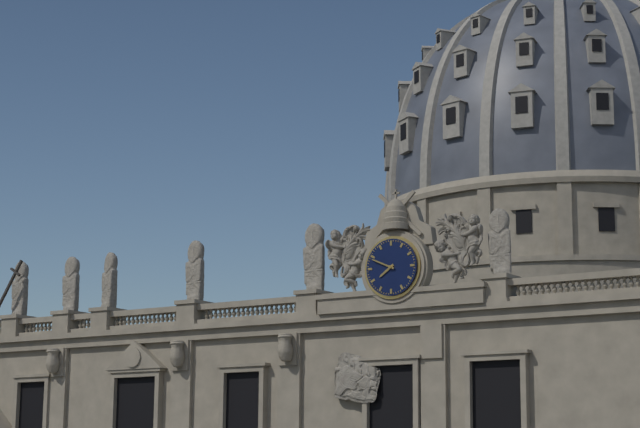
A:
7.49
